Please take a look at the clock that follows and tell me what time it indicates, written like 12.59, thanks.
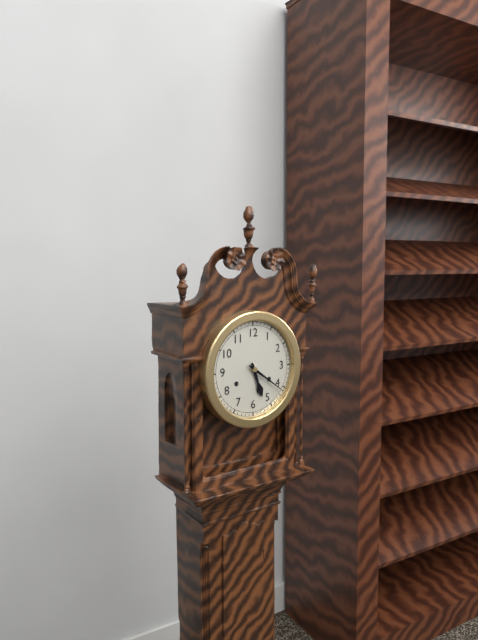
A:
5.21
